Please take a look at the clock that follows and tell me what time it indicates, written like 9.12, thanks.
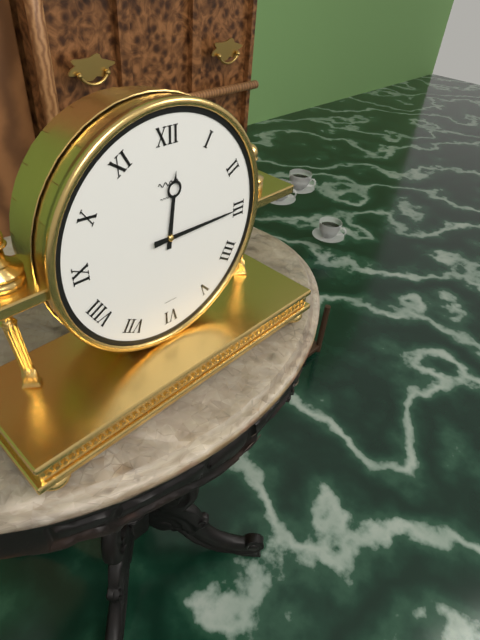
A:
12.15
